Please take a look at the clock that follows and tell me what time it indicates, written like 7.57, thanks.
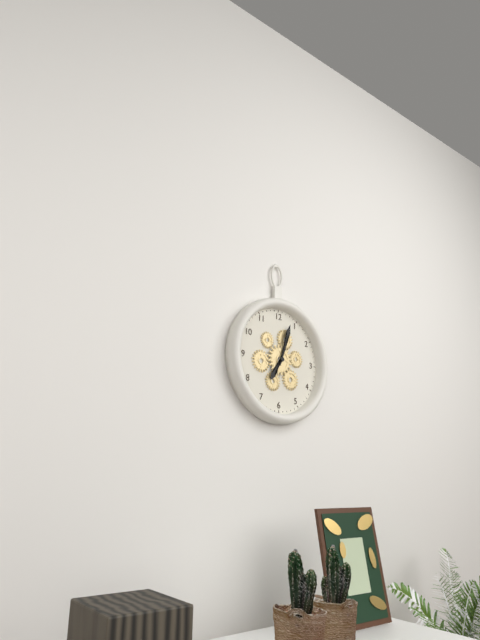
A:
7.03
